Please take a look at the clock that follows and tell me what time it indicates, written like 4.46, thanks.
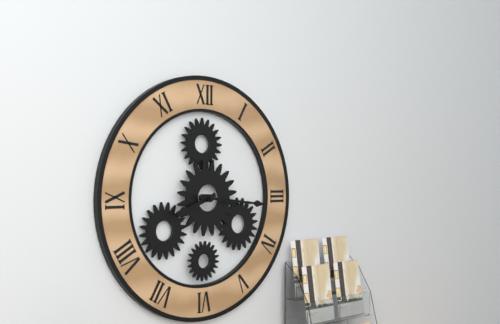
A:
8.16
